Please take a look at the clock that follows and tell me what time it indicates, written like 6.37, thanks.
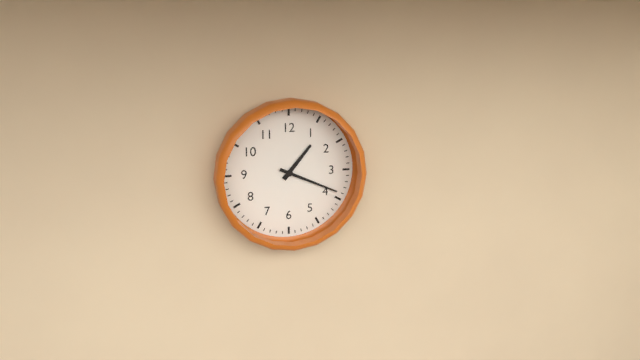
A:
1.19
